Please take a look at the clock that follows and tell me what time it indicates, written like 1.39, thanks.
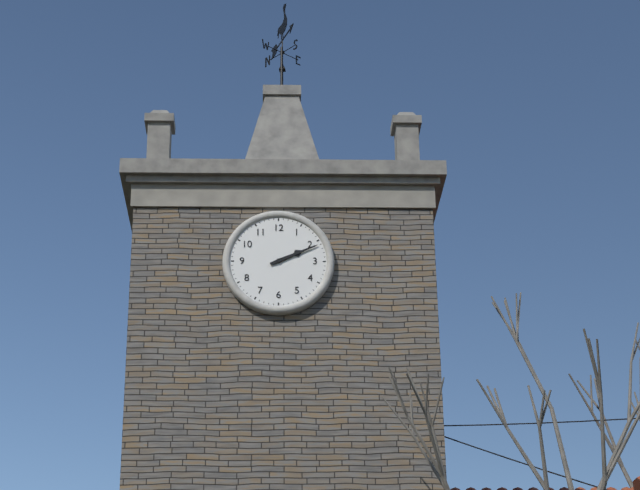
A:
2.11
